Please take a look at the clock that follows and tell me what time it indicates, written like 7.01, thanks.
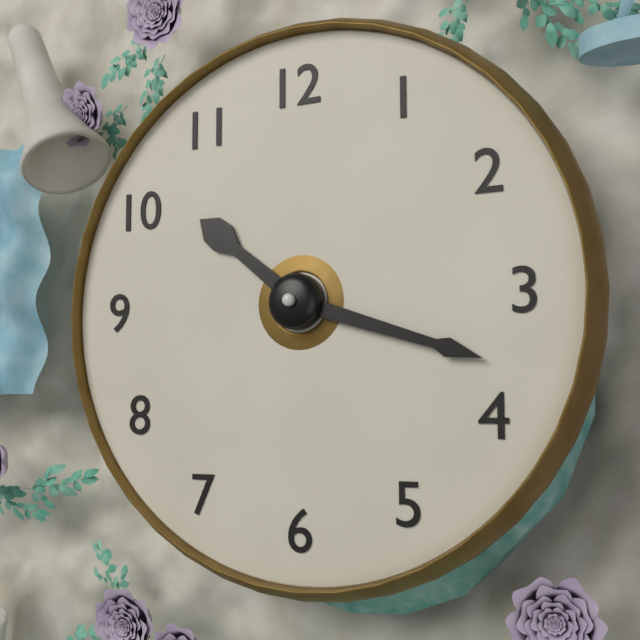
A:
10.18
